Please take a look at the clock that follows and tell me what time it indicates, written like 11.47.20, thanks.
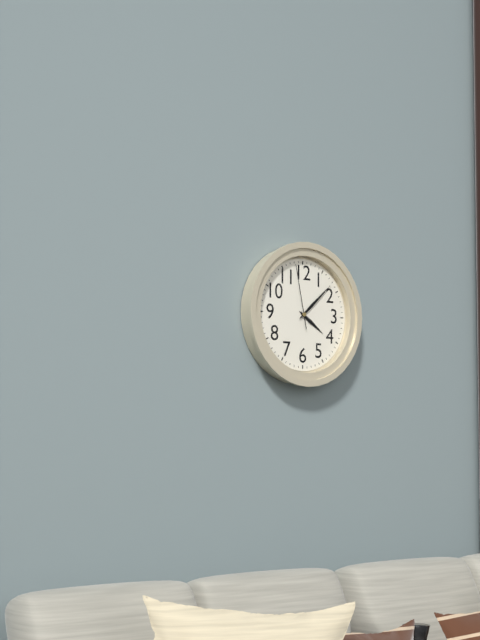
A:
4.08.58
